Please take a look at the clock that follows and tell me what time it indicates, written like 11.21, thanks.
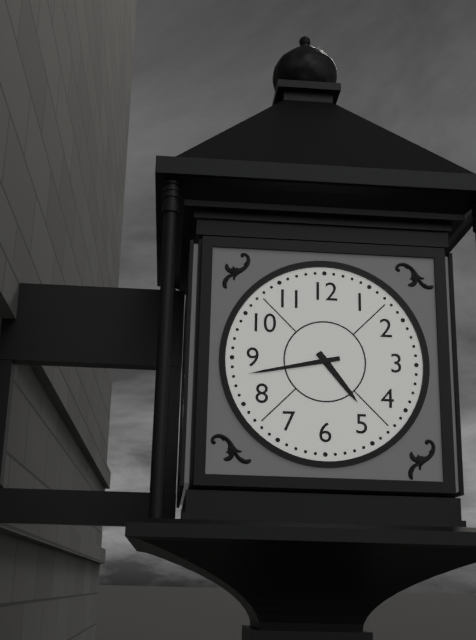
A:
4.43
